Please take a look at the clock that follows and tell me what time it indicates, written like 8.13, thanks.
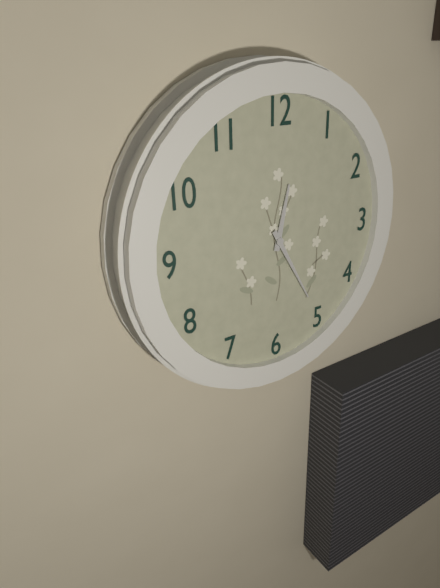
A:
12.25
